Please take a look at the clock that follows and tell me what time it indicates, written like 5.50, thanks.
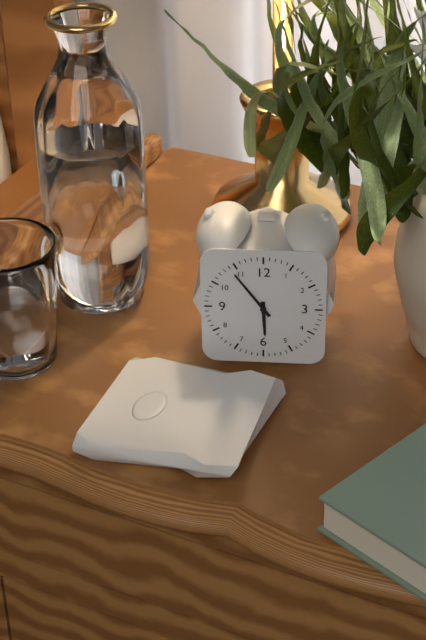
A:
5.54
